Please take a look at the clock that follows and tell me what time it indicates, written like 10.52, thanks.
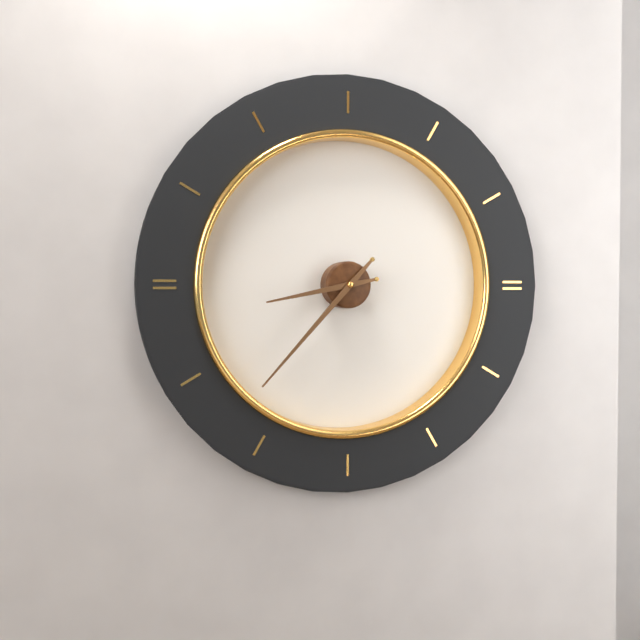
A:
8.37
